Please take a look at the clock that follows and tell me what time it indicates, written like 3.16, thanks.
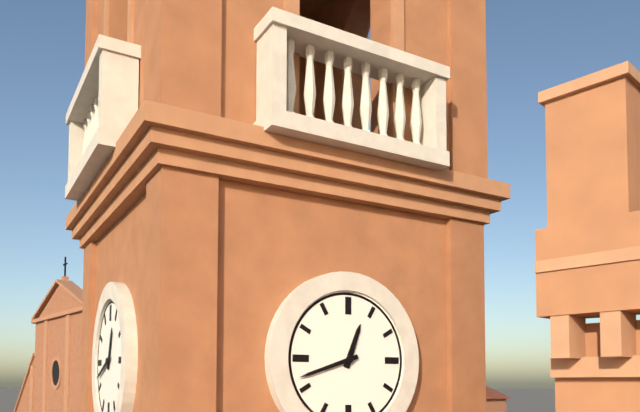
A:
12.42
